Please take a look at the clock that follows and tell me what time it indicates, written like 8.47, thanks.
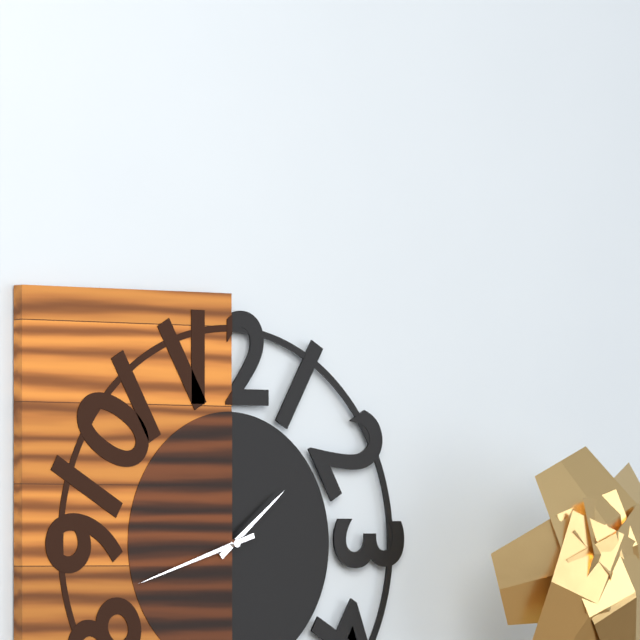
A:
1.42
